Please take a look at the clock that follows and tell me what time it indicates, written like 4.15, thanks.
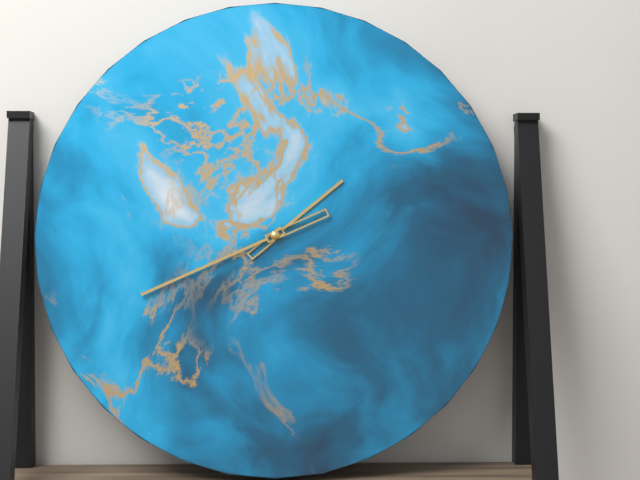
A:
1.41
